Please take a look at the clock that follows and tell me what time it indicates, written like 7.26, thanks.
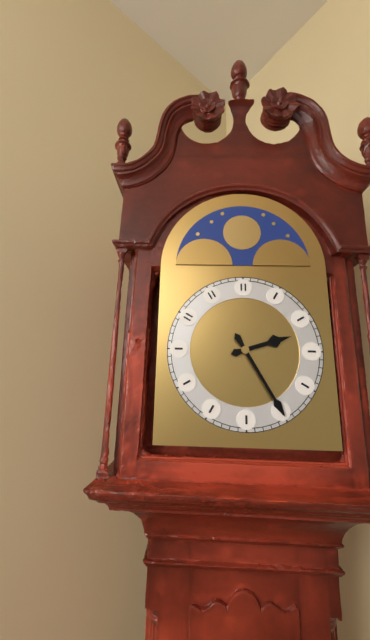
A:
2.25
